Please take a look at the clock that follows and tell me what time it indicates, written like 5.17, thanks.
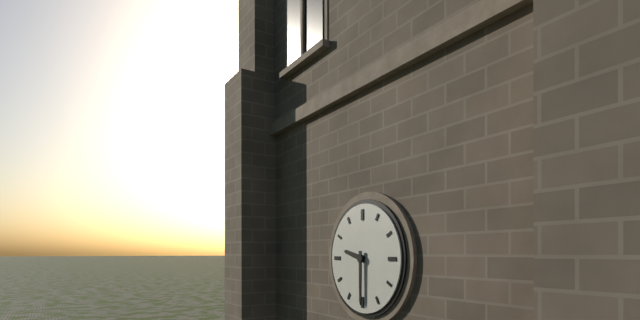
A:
9.30
